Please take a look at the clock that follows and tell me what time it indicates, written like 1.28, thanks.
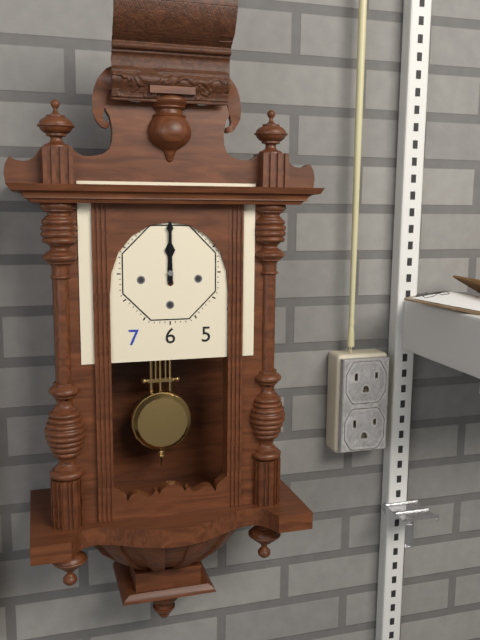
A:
12.00
